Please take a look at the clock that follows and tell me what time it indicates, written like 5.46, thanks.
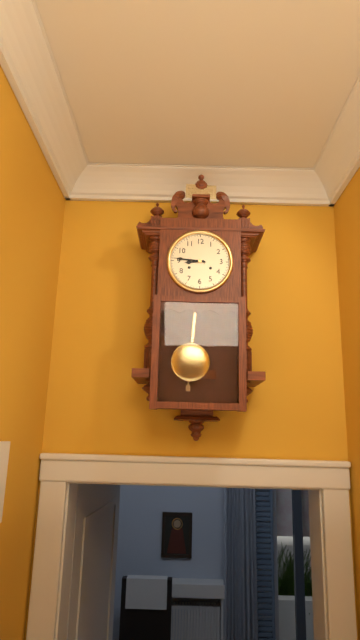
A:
8.46
